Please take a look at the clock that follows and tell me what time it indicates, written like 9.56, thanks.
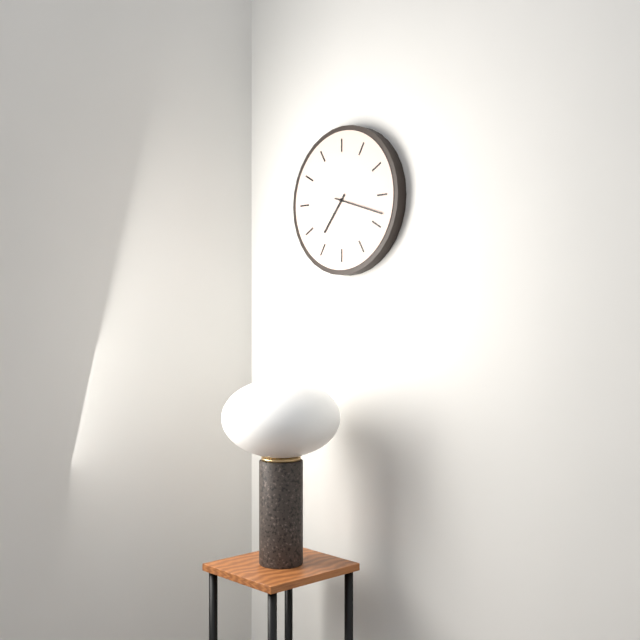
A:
7.18
